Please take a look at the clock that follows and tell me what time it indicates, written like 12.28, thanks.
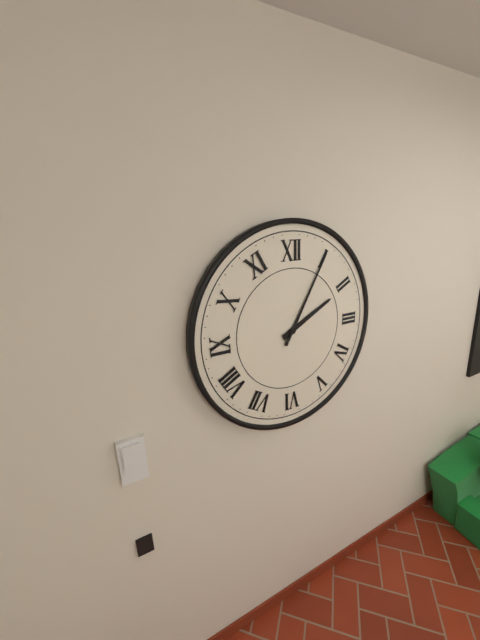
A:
2.05
